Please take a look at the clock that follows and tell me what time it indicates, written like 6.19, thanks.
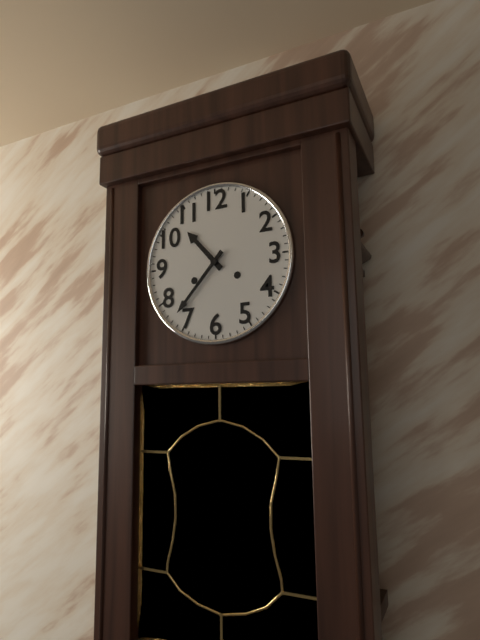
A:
10.37
